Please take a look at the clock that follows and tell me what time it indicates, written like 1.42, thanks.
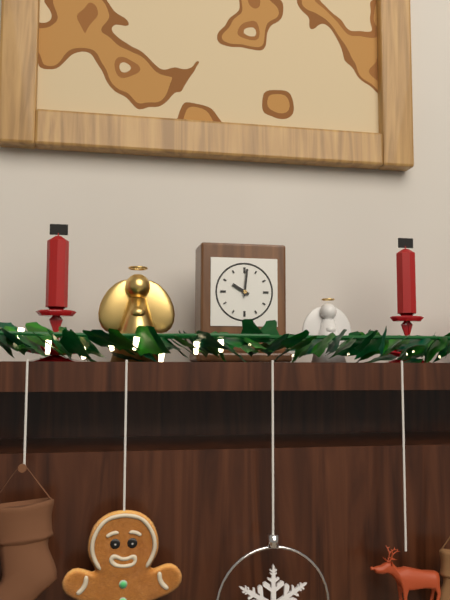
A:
10.01
